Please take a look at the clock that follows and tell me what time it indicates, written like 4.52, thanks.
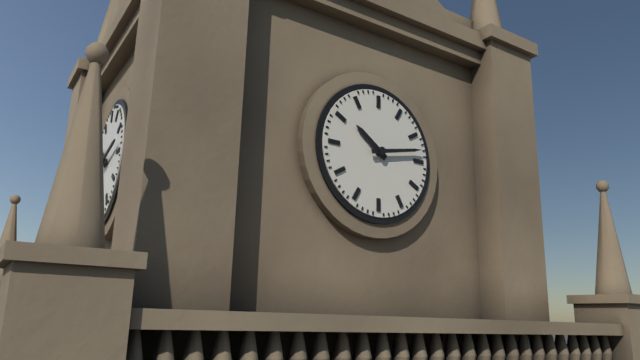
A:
10.13
